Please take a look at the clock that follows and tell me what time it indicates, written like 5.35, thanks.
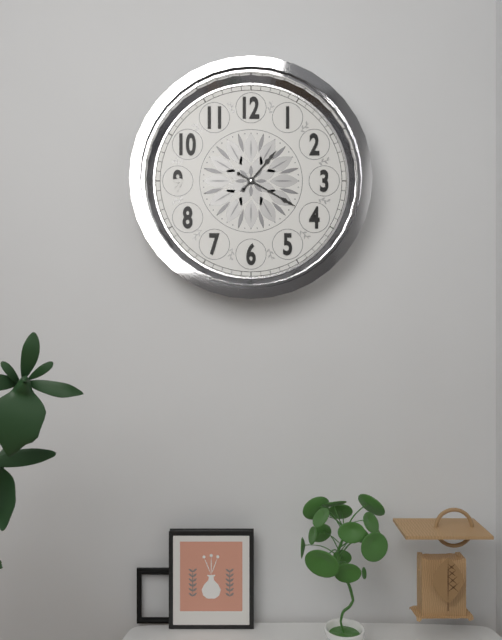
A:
1.20
